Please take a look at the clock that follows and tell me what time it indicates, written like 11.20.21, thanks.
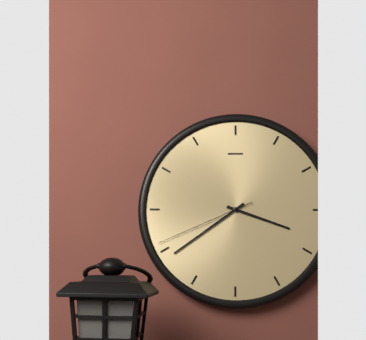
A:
3.39.41
